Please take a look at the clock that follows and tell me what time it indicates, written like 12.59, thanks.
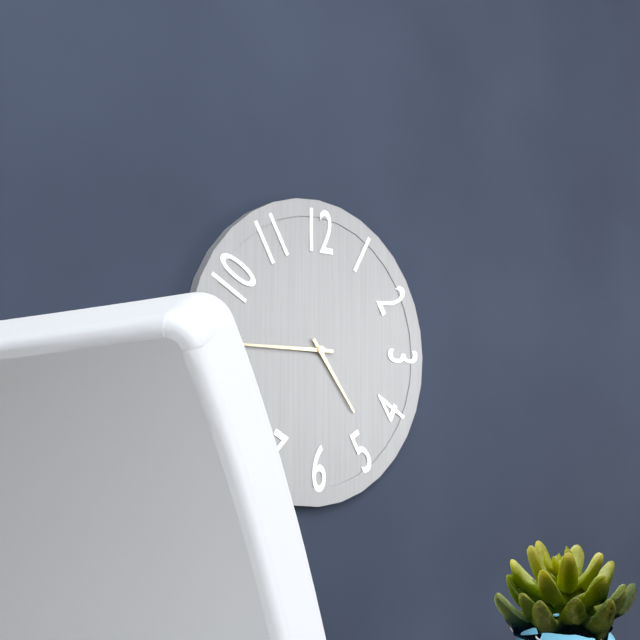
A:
4.45
